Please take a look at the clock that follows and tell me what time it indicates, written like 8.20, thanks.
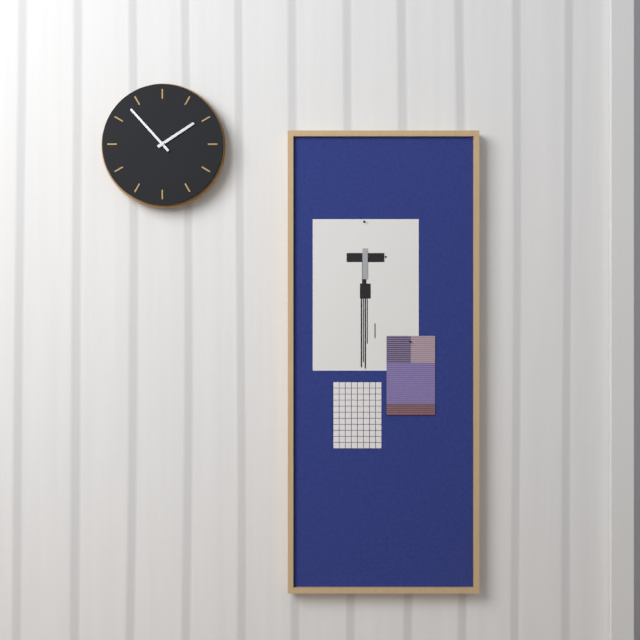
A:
1.53
